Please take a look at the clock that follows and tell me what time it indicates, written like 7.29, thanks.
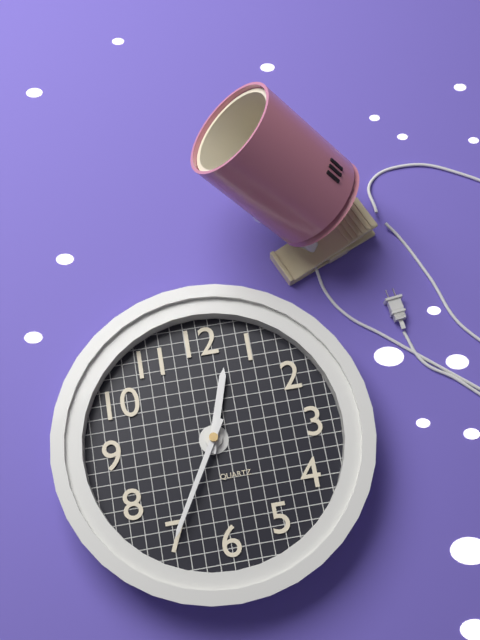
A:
12.35
